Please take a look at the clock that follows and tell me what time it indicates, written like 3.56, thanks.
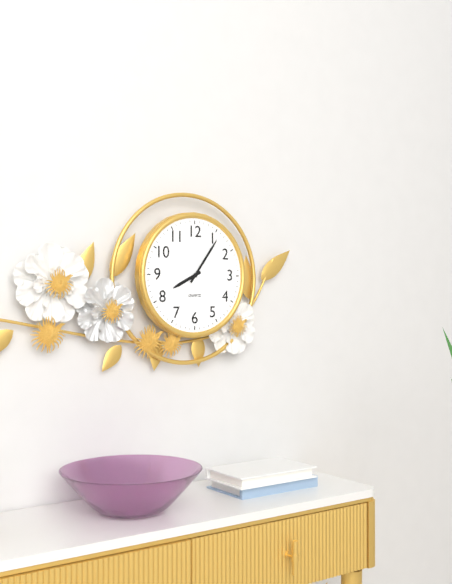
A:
8.06
